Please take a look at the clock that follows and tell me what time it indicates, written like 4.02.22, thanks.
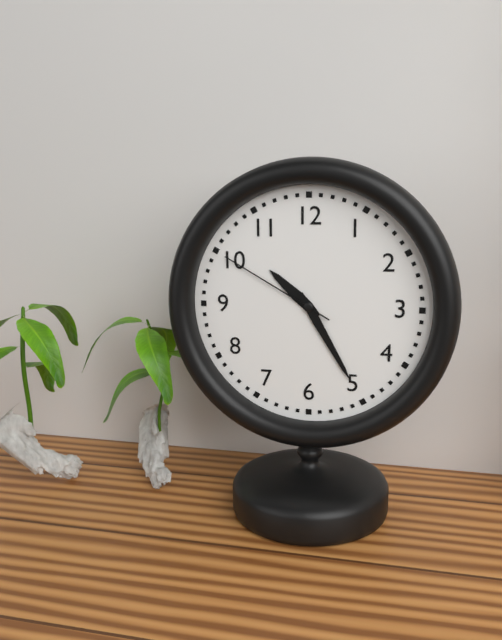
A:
10.25.50
